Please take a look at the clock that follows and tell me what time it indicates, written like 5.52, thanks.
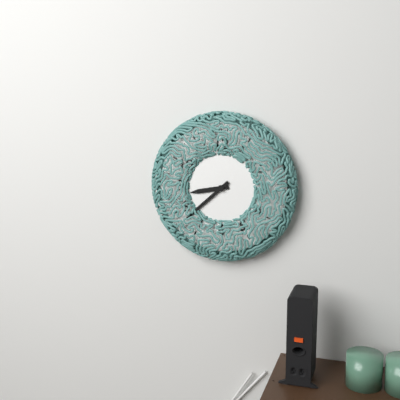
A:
8.38
